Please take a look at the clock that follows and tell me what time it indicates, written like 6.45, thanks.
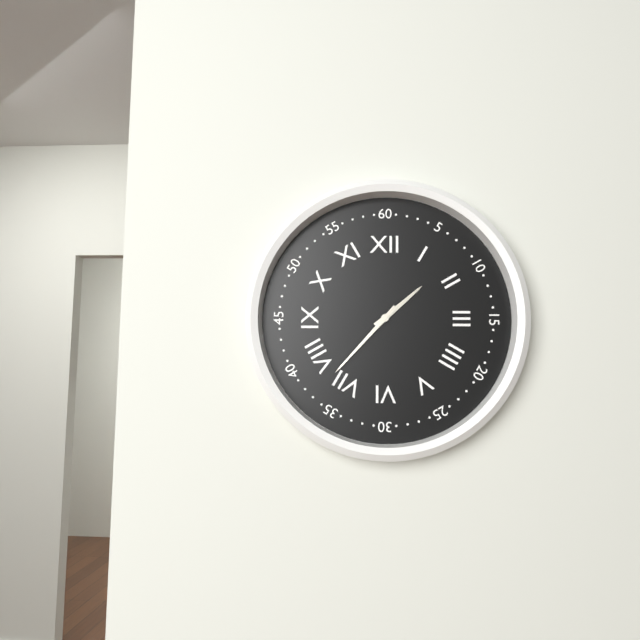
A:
1.37
